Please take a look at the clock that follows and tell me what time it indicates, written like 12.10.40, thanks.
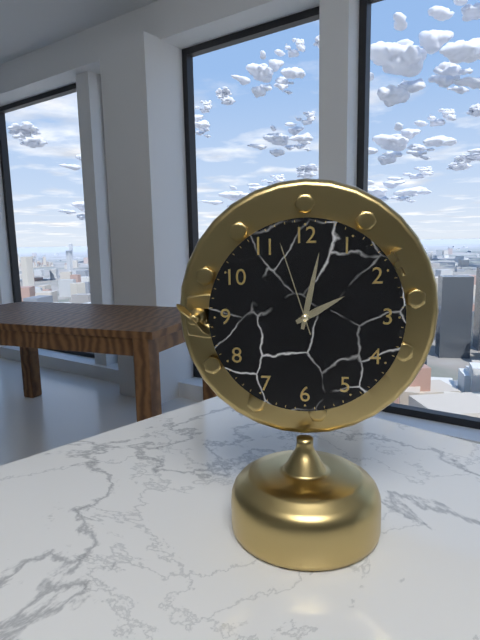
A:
2.02.57
